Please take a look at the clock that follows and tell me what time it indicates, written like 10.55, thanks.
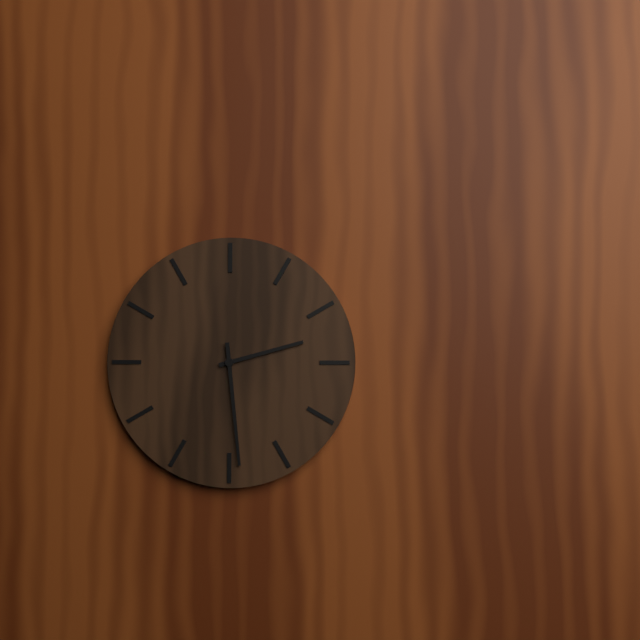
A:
2.29
